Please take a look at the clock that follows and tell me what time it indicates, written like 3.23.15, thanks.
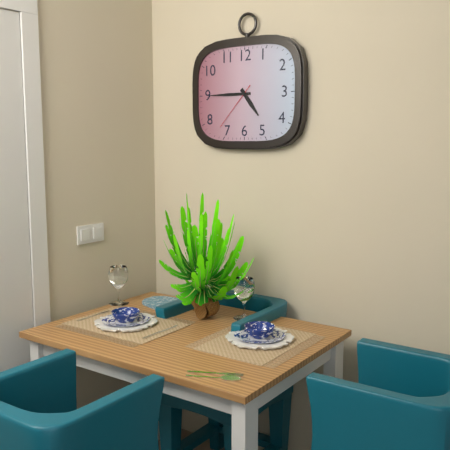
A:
4.45.37
